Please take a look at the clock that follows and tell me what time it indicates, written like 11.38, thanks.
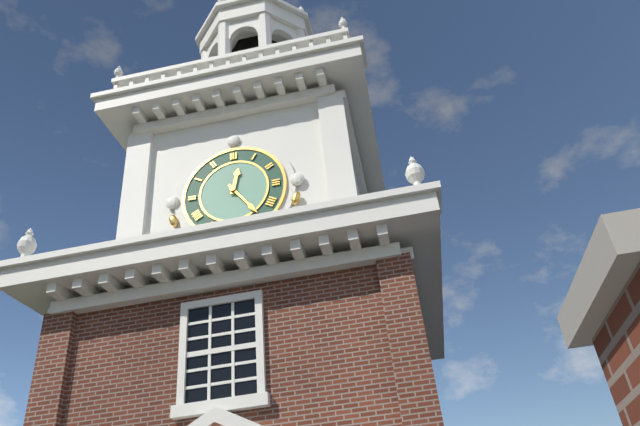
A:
12.24
